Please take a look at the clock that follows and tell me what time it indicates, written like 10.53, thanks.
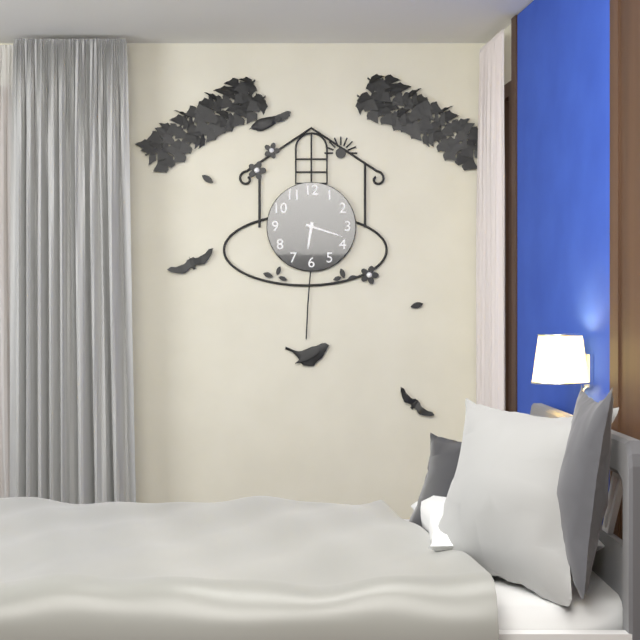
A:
6.18
